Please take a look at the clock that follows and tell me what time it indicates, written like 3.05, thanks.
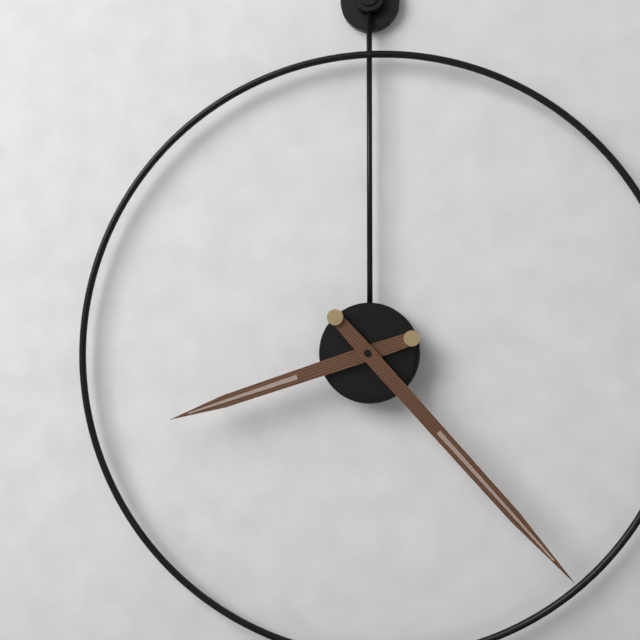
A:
8.23
